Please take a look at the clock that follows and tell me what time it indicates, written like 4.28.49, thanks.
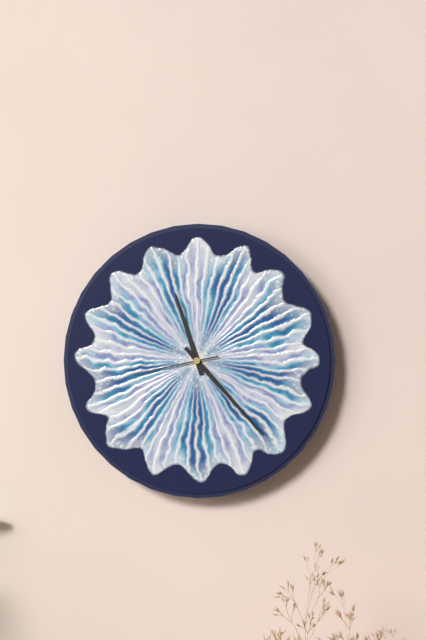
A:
11.23.43
